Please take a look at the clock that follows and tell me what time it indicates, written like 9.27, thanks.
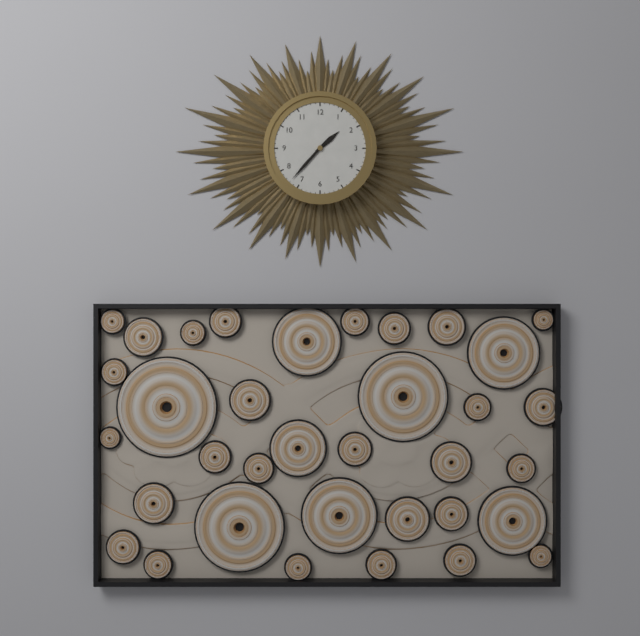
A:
1.37
